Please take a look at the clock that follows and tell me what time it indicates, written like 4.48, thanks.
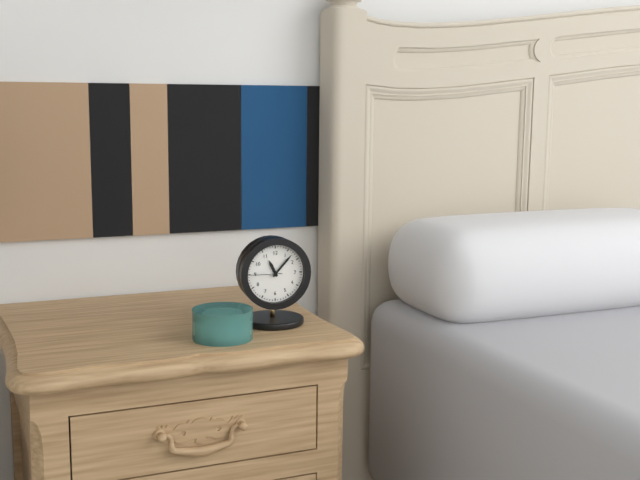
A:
11.07
